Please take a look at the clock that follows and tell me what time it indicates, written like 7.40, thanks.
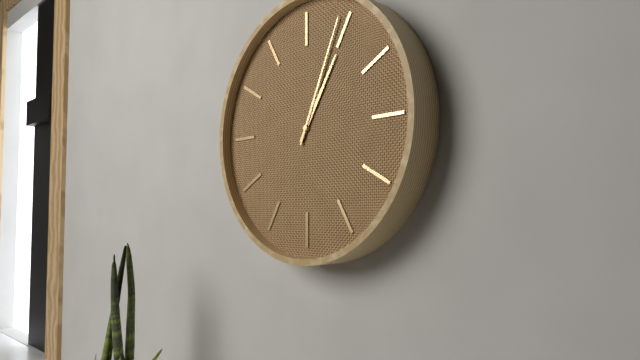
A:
1.04
